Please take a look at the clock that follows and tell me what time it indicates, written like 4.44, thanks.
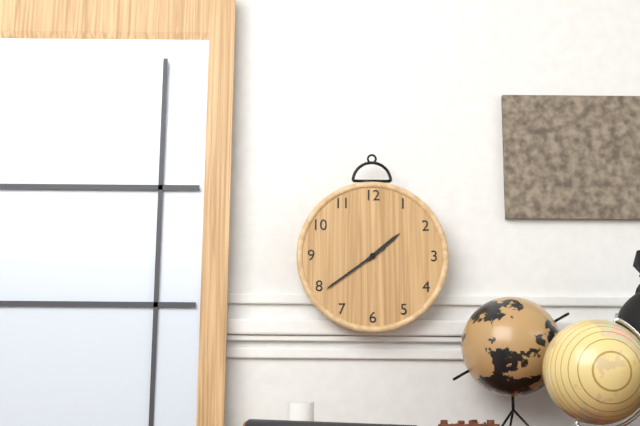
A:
1.39
